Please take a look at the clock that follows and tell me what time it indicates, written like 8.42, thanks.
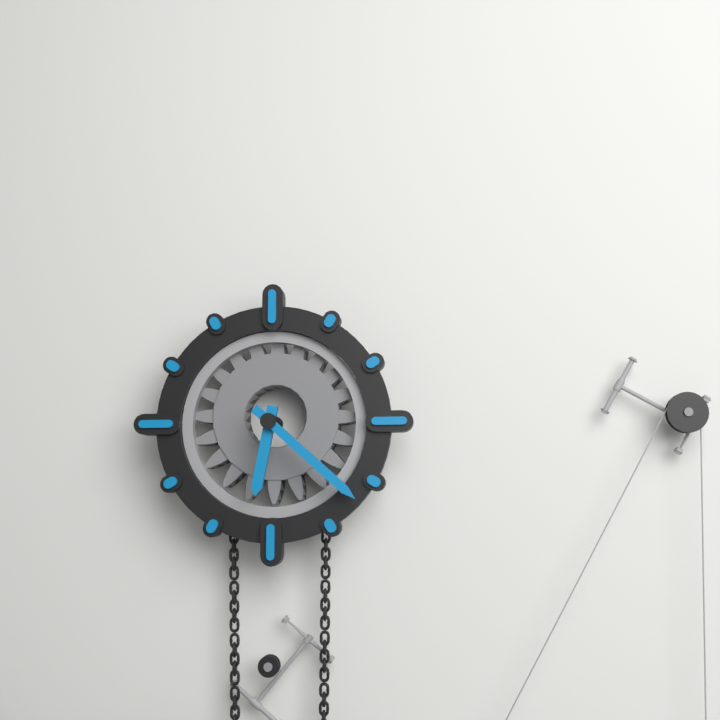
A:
6.22
